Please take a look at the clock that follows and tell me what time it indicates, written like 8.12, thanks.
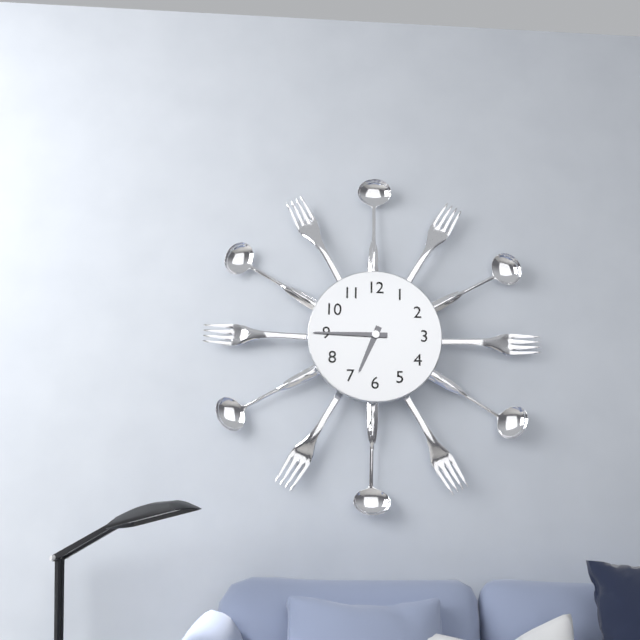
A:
6.45
